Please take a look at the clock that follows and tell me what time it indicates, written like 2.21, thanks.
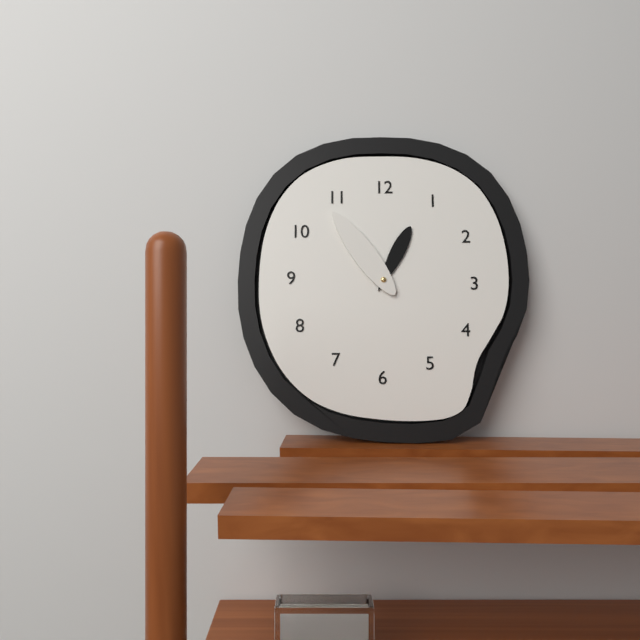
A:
12.54
